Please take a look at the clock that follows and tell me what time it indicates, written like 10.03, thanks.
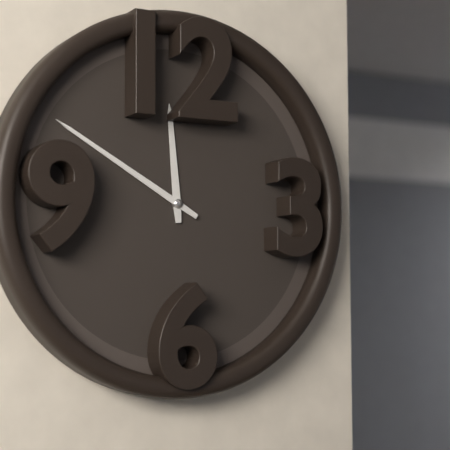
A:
11.50
